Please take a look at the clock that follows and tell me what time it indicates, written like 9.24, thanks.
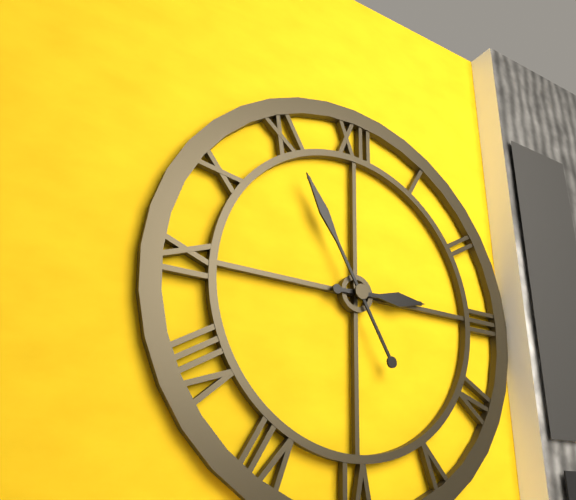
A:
2.55
